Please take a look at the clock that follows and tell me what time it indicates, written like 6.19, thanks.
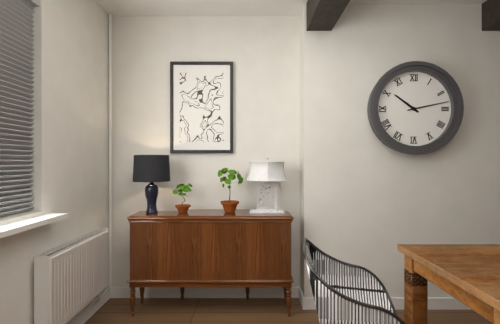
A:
10.13
